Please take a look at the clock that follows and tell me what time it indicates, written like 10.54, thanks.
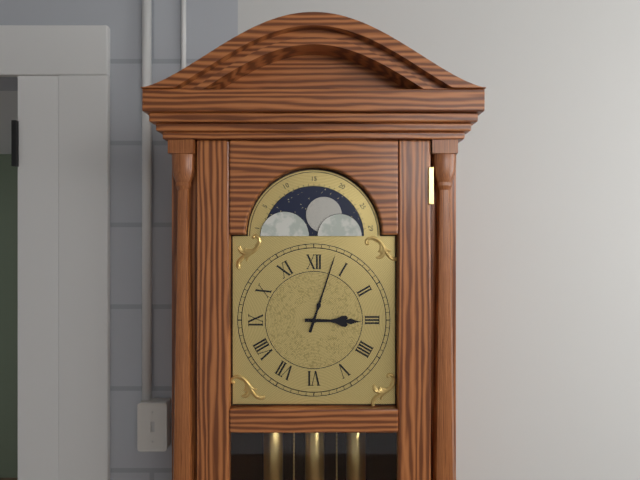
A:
3.03
